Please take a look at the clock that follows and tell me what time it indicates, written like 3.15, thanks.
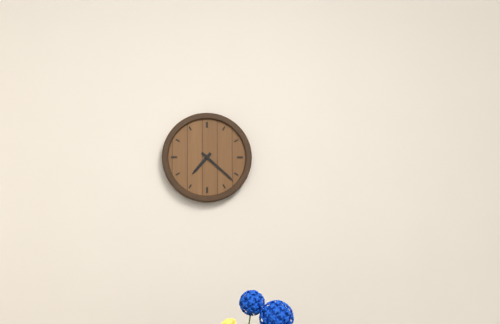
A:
7.22
